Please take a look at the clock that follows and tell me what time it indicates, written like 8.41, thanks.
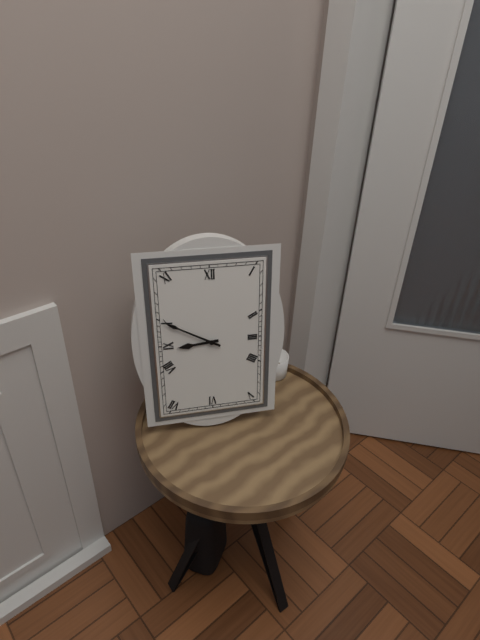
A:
8.50
